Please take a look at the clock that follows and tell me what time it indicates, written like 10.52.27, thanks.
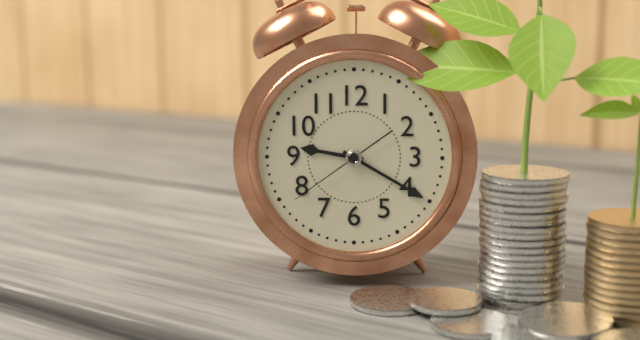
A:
9.20.39
